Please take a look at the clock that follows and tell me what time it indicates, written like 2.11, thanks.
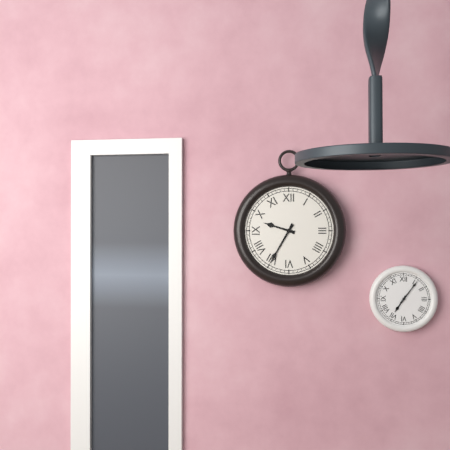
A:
9.35
